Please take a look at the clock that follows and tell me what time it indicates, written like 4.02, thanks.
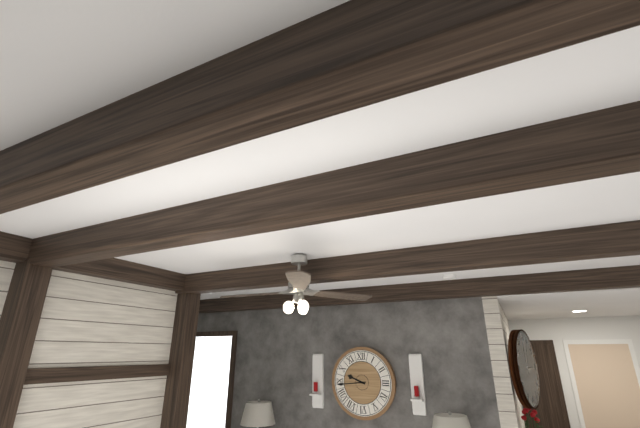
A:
9.44
